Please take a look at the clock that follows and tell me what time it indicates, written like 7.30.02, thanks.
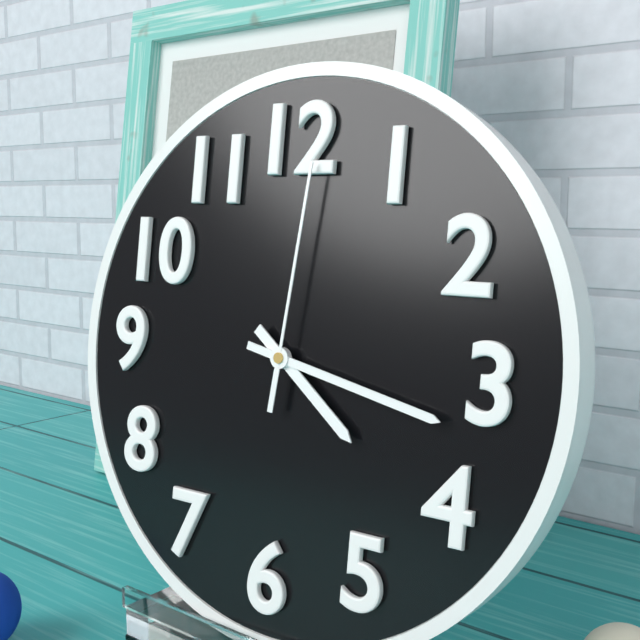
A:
4.17.01
